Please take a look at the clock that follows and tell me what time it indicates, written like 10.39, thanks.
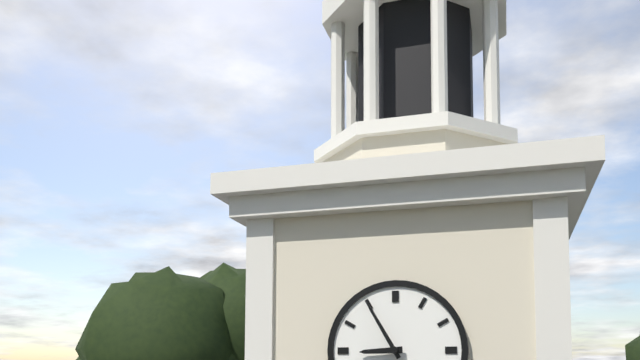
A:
8.55
